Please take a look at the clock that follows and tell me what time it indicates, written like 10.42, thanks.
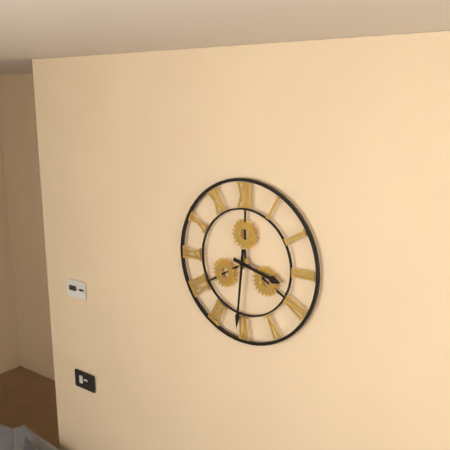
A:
3.31
